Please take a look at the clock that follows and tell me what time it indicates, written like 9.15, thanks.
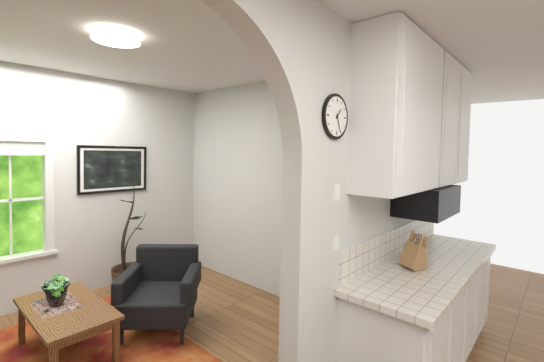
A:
1.26
